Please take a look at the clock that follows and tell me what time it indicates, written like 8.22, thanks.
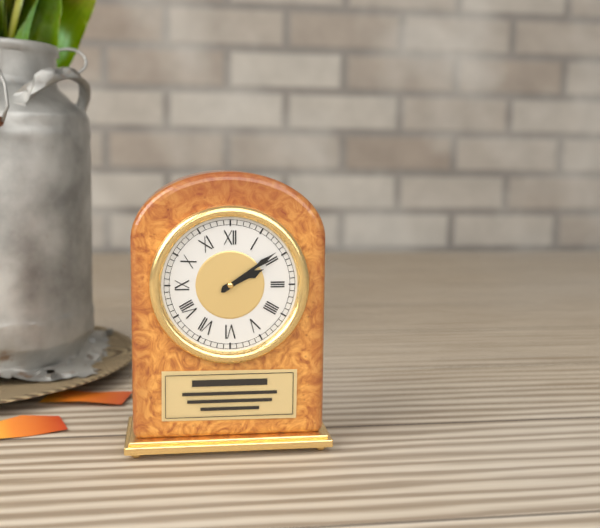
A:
2.09
